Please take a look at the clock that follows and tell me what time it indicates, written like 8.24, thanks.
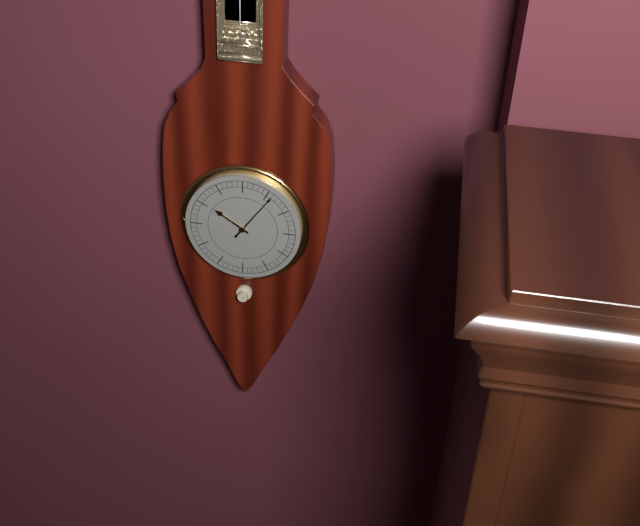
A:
10.06
